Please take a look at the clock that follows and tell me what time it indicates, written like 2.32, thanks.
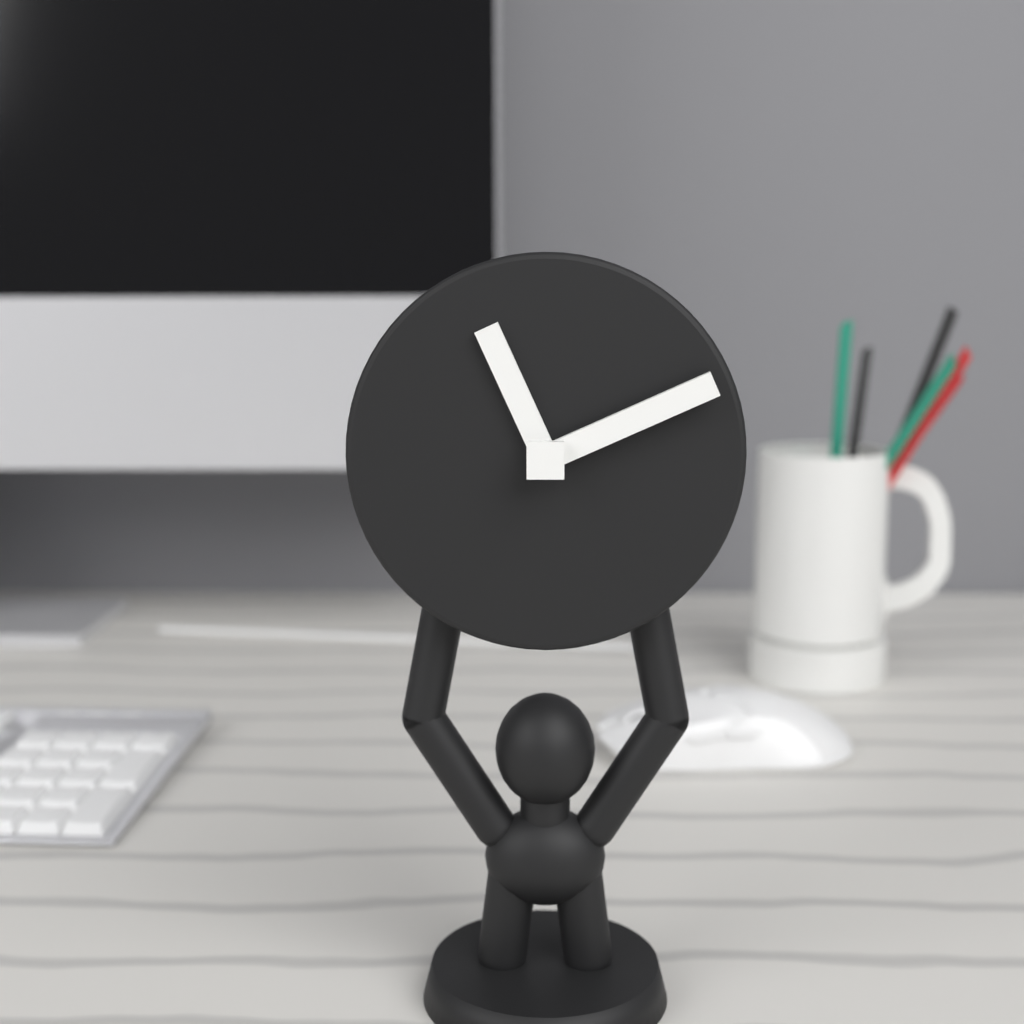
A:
11.11
